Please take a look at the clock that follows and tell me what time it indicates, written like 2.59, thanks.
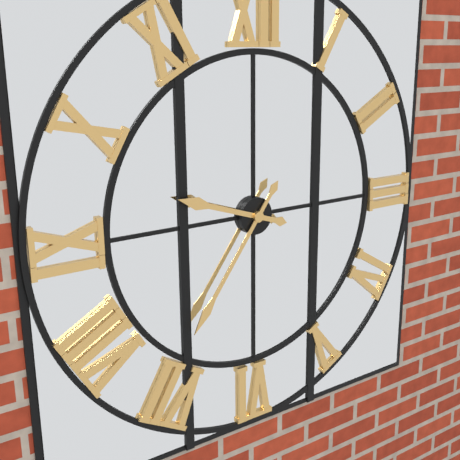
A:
9.36
